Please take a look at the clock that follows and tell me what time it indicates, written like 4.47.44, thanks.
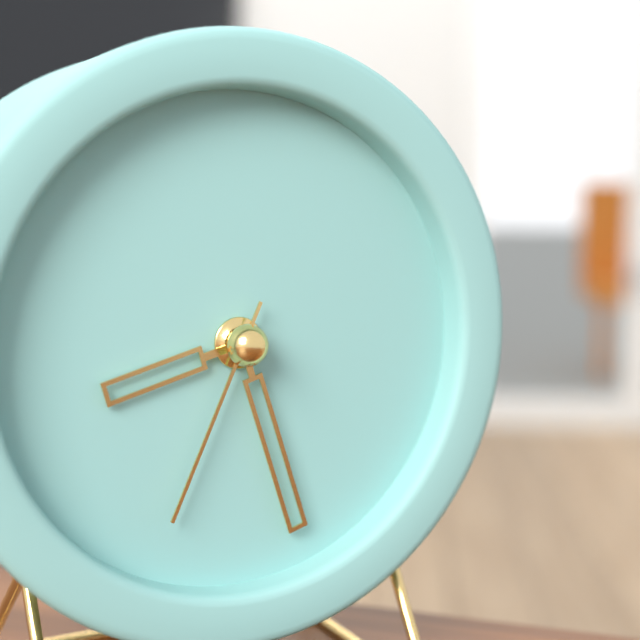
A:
8.27.34
